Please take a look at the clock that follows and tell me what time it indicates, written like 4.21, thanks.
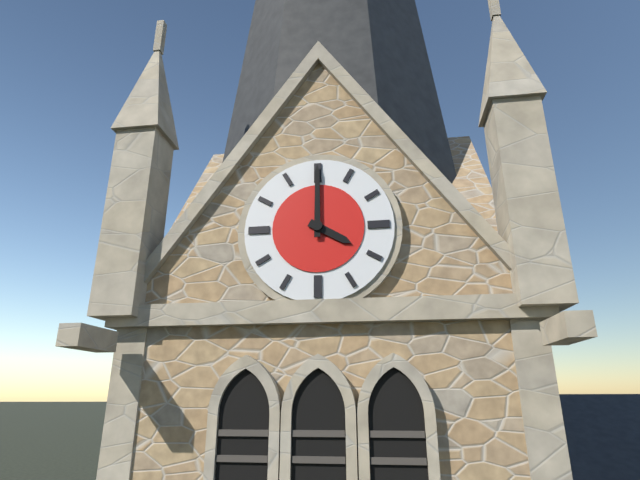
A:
4.00
